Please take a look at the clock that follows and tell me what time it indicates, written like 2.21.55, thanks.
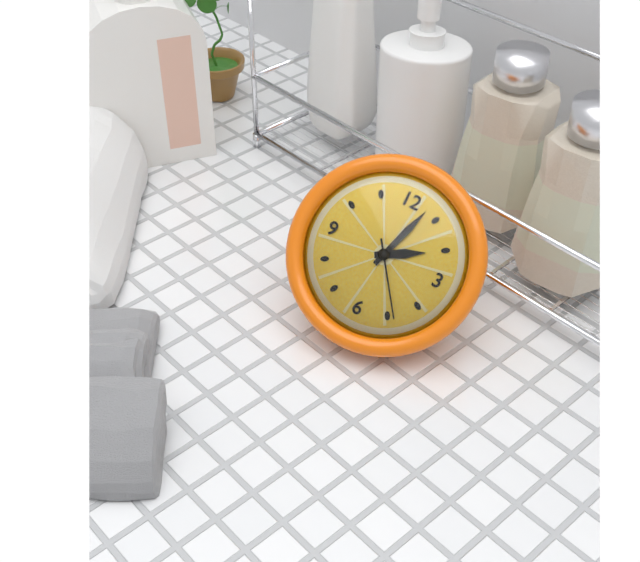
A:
2.03.24
